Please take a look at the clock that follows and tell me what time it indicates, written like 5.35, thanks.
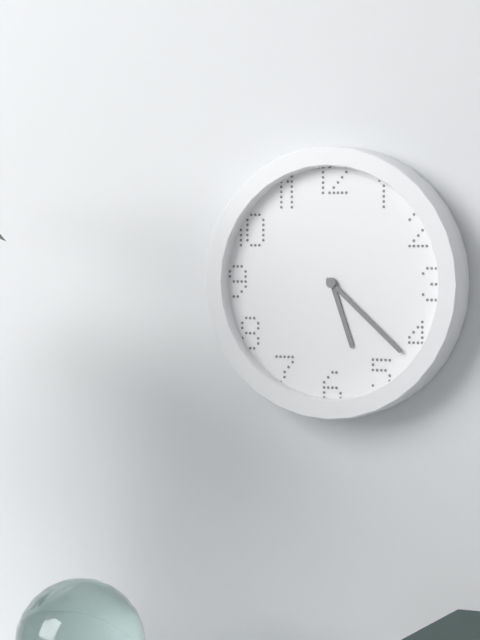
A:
5.22
